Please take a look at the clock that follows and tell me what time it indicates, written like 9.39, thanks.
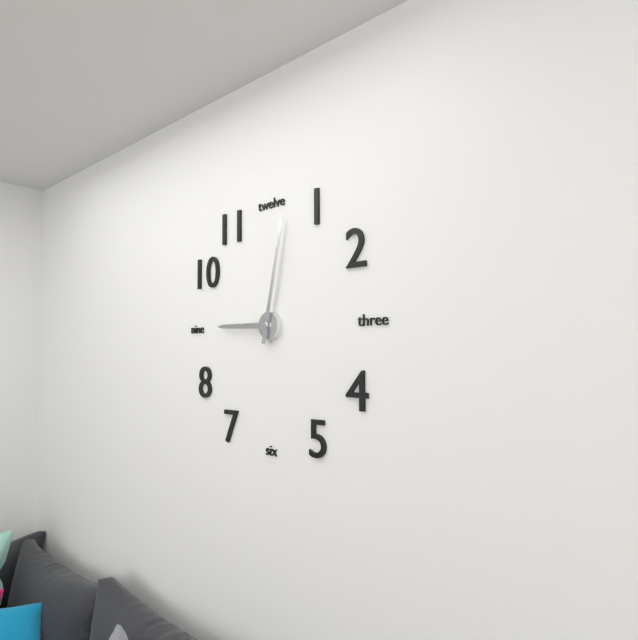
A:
9.02
